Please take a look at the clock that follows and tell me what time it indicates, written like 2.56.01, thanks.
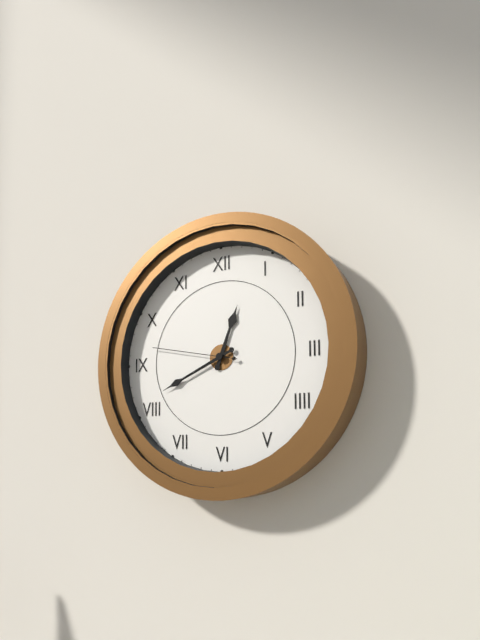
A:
12.41.47
